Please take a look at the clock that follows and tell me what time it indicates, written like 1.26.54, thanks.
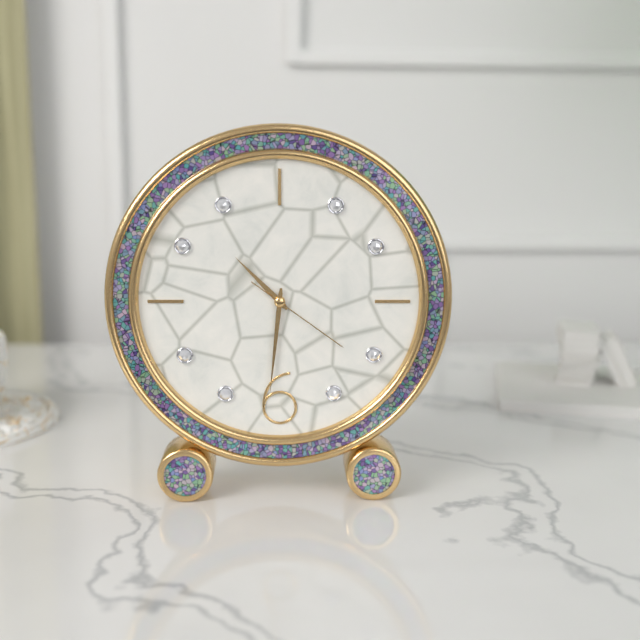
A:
10.31.21
